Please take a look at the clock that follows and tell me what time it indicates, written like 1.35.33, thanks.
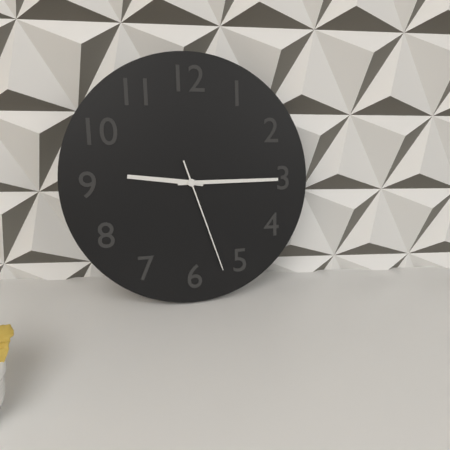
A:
9.15.27
